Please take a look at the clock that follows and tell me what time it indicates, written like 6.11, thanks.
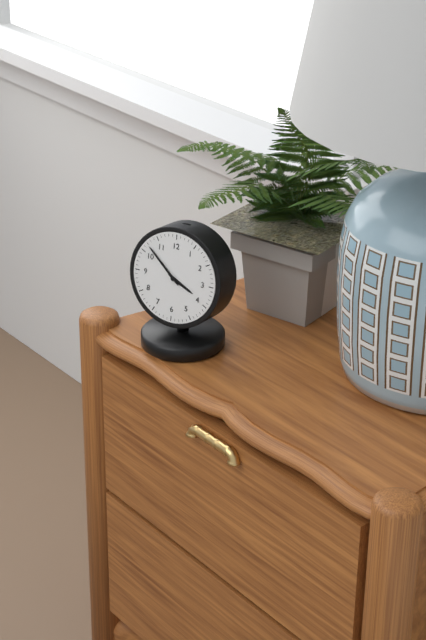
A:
3.52
